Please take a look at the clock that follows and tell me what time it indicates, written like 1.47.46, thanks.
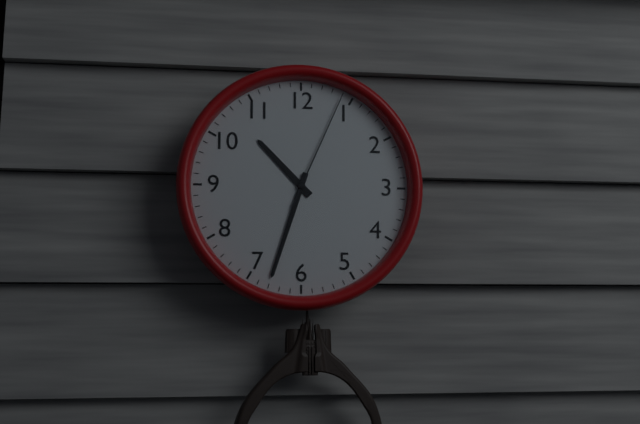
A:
10.33.04
